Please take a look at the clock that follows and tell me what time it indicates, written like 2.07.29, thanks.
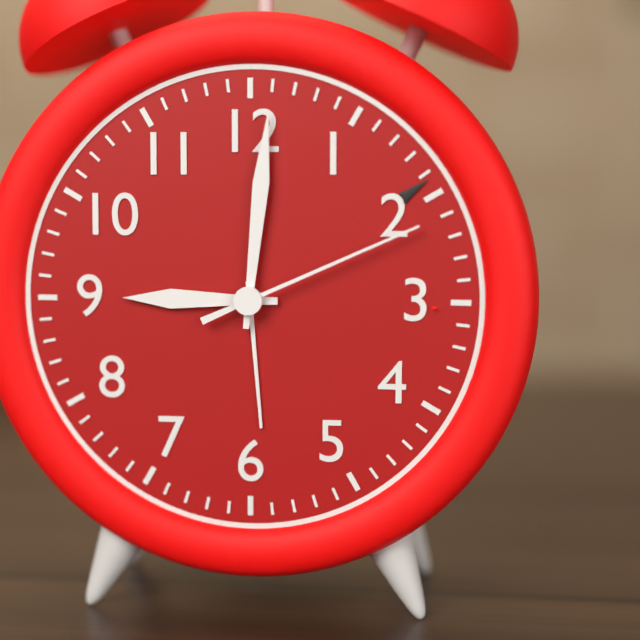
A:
9.01.11
